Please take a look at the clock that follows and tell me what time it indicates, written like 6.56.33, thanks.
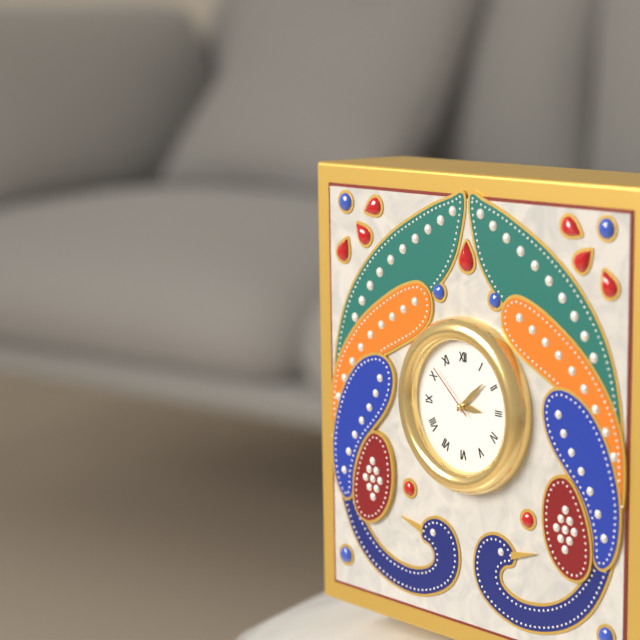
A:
3.08.52
